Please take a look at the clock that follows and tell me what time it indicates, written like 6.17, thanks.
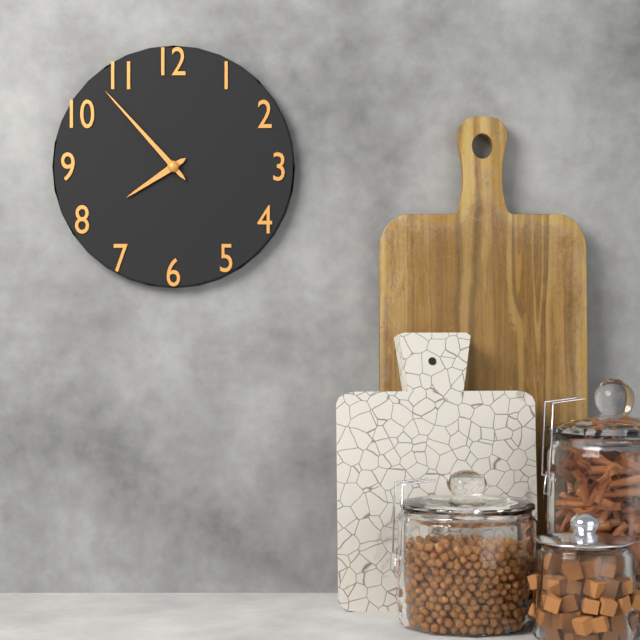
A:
7.53
